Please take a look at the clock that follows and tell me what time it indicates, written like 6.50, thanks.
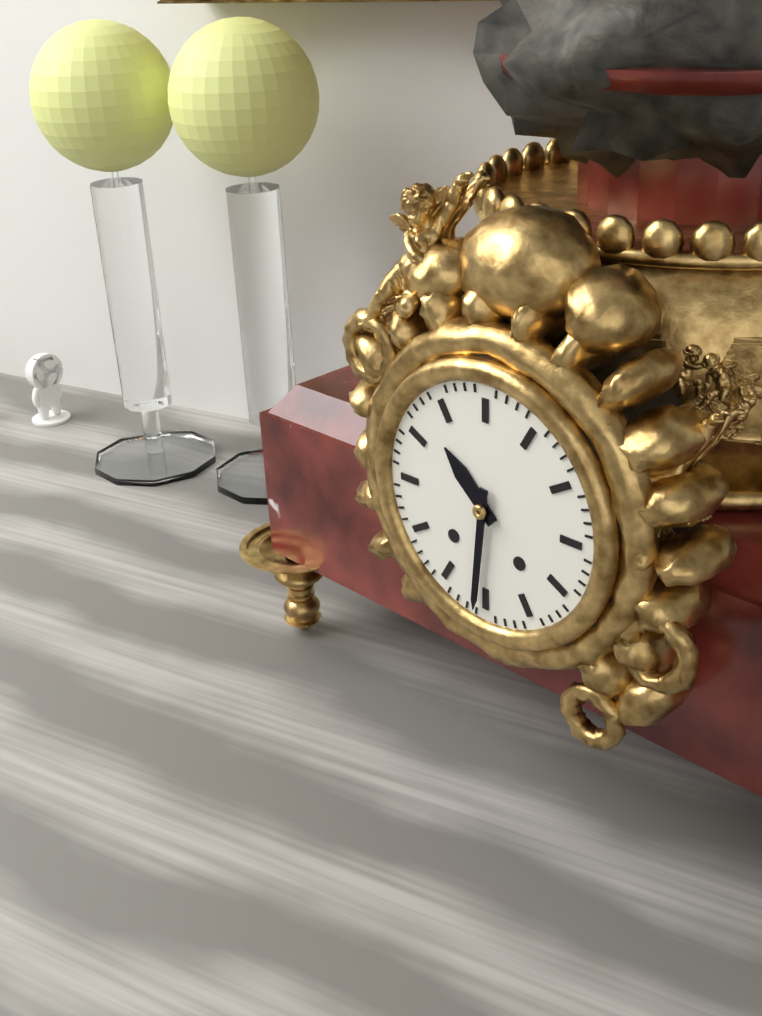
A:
10.31
